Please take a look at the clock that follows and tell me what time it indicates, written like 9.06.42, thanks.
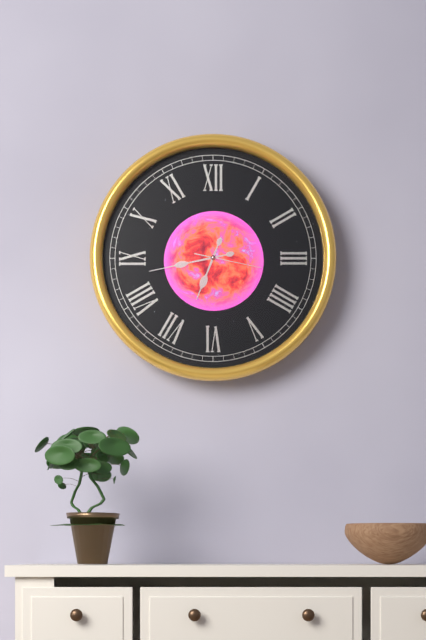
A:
6.43.17
